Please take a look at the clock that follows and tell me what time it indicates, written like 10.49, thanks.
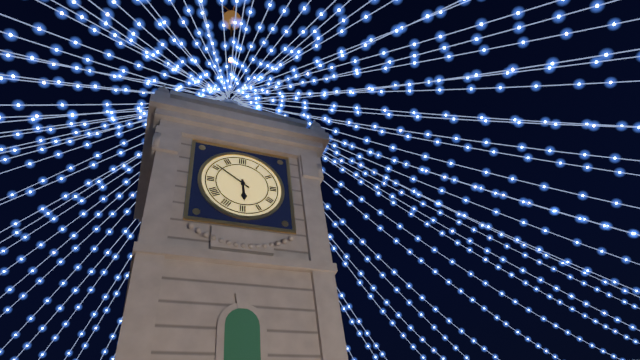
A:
5.51
